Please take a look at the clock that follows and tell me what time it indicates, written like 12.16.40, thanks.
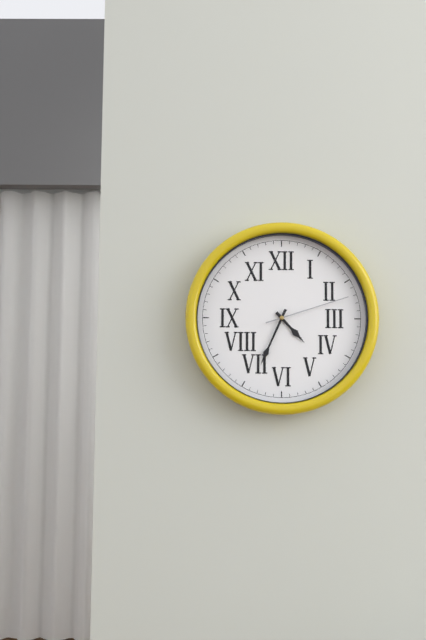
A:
4.34.12
